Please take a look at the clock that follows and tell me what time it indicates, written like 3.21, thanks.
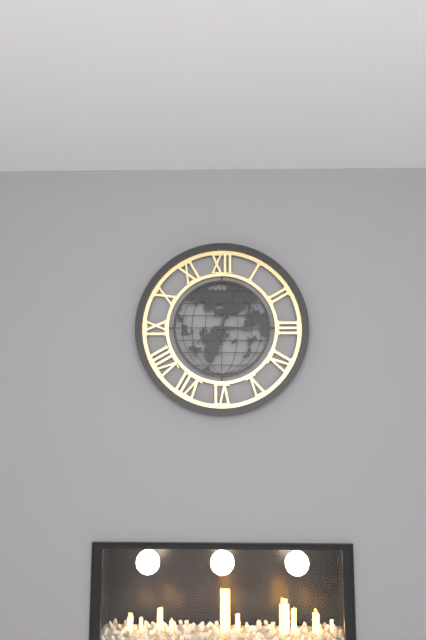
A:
3.03
